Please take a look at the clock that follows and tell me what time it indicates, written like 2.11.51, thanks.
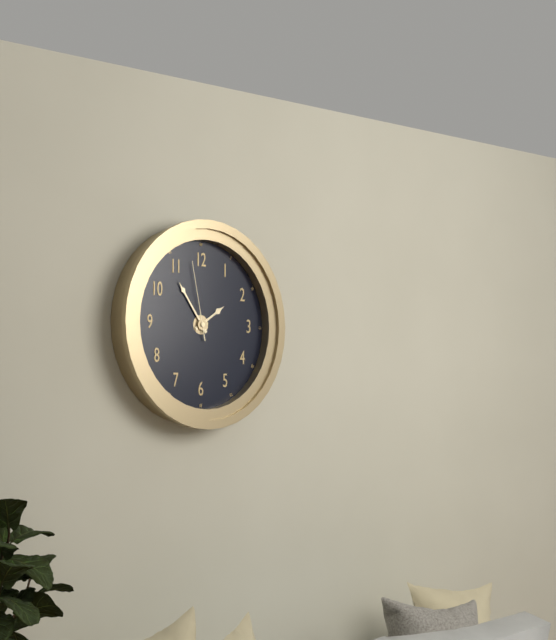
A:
1.54.58
